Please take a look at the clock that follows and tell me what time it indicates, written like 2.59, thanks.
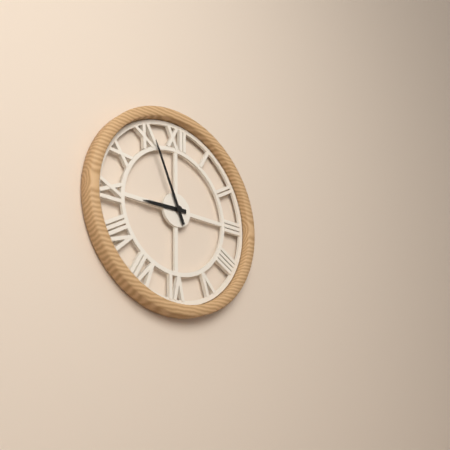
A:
8.56
